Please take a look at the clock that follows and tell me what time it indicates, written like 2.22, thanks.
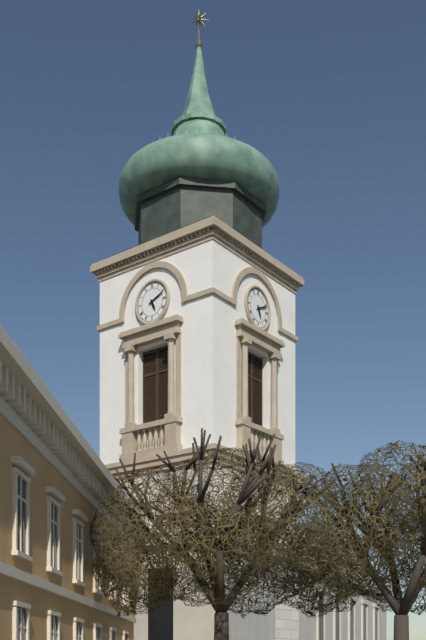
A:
5.11
